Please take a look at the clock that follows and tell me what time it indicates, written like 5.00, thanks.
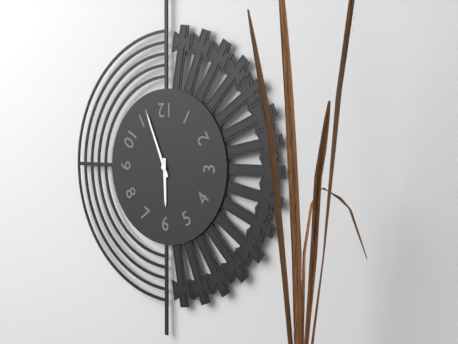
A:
5.56
